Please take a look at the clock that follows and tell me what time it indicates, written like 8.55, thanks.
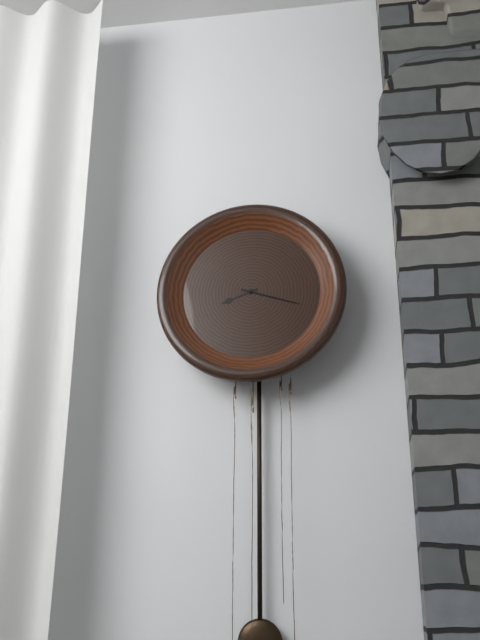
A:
8.18
